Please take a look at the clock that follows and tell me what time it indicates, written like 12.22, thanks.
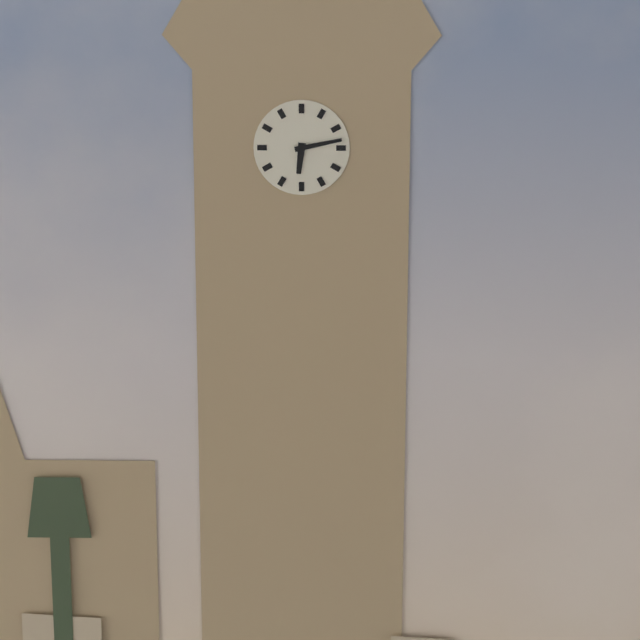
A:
6.13
